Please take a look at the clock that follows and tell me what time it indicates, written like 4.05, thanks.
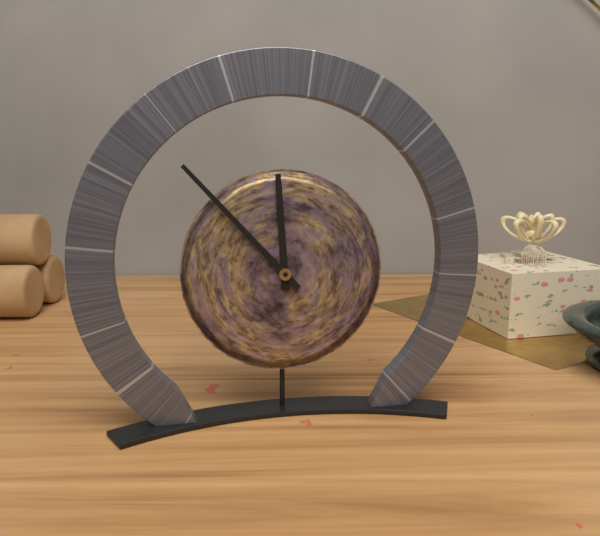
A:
11.53
